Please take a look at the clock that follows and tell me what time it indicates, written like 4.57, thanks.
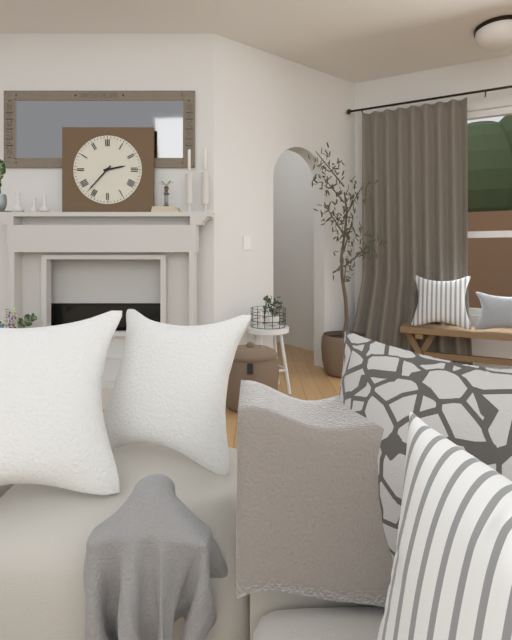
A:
2.37
